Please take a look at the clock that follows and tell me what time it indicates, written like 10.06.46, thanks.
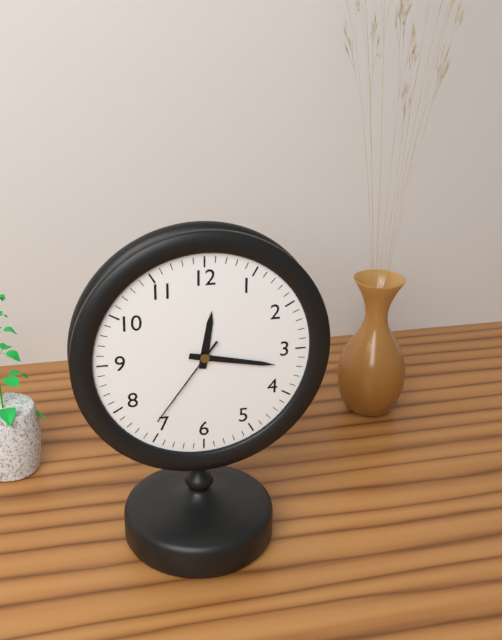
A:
12.17.36
